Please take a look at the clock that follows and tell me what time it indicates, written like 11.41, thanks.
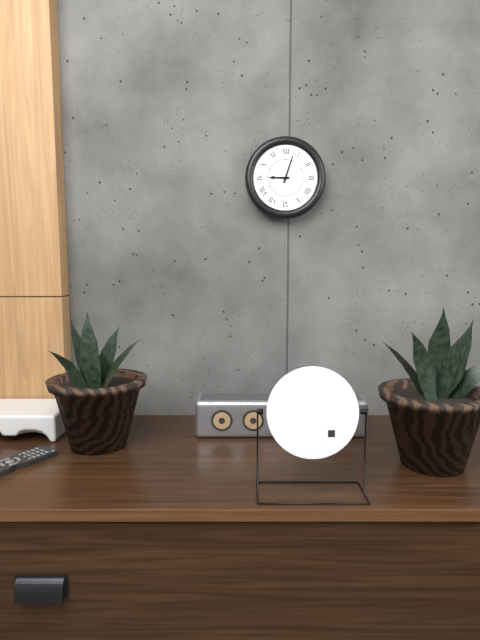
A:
9.03
